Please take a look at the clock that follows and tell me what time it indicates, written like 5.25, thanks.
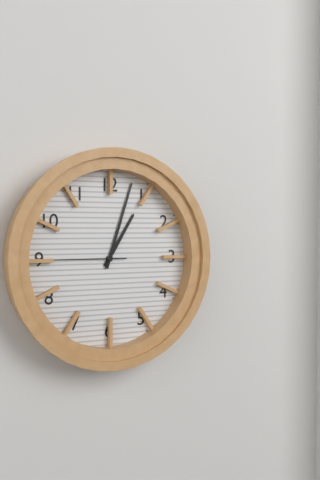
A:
1.03
